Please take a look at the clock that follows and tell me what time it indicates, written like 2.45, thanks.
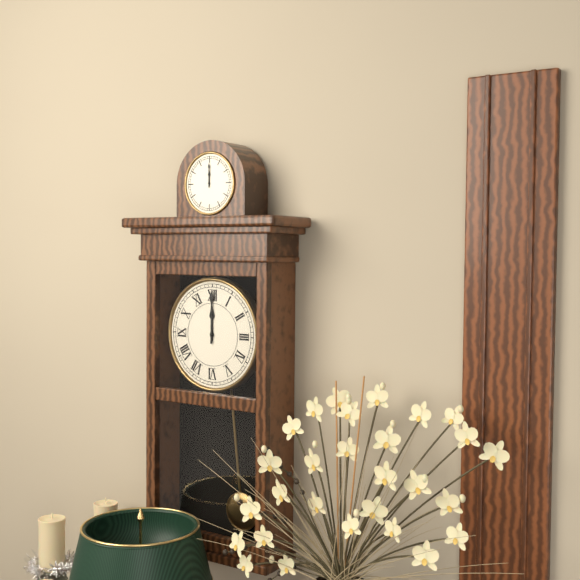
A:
12.00
